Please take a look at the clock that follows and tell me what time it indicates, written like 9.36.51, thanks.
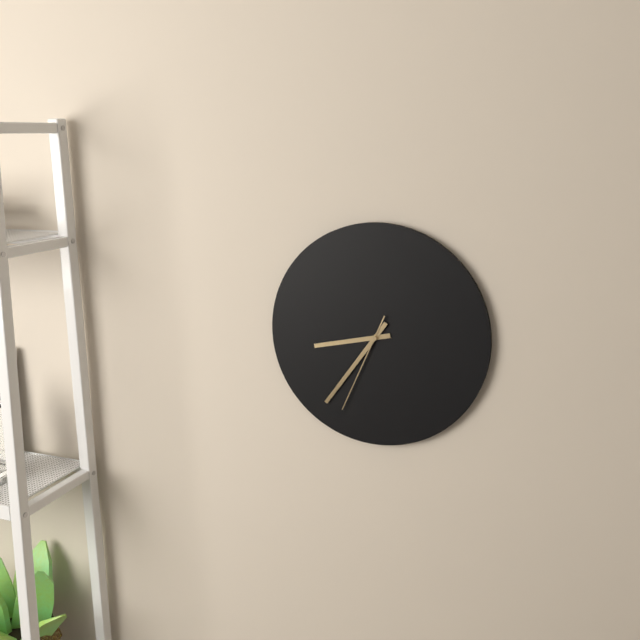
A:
8.36.34
